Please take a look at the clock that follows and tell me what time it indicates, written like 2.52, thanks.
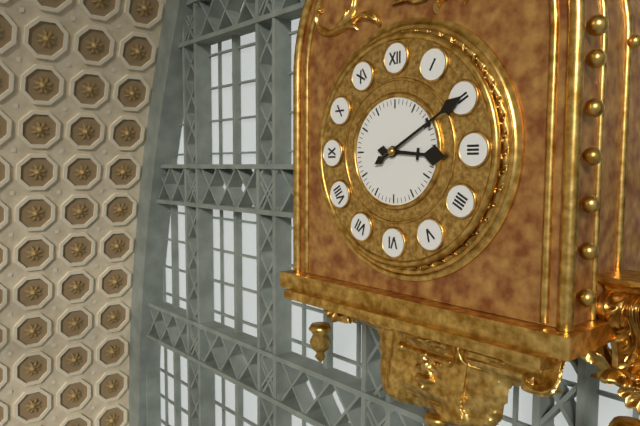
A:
3.10
